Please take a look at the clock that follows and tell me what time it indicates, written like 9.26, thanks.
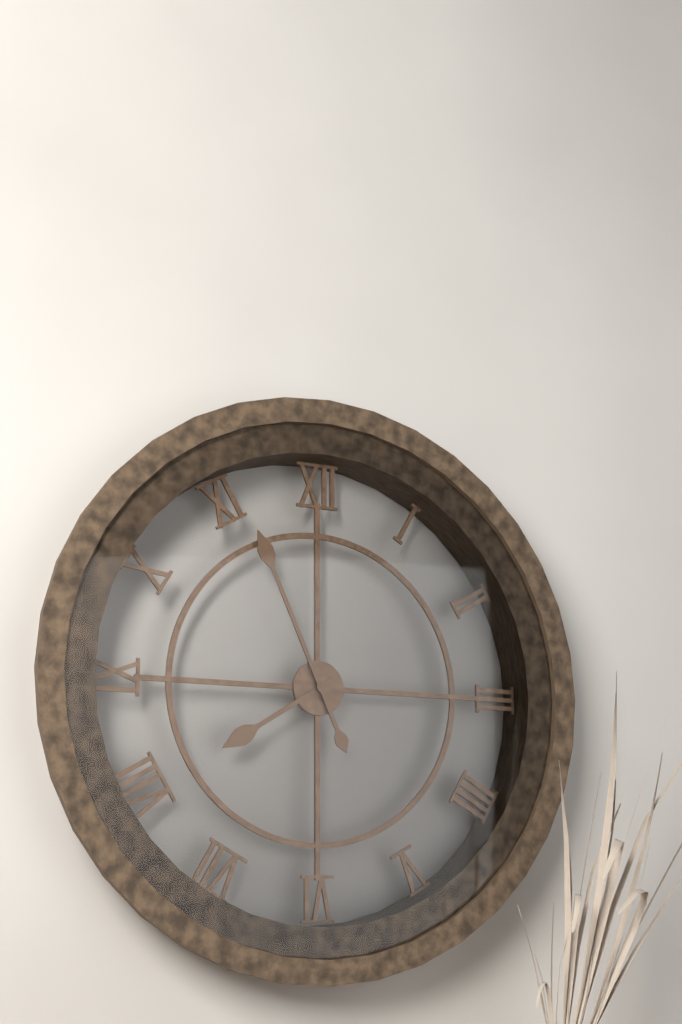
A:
7.56
